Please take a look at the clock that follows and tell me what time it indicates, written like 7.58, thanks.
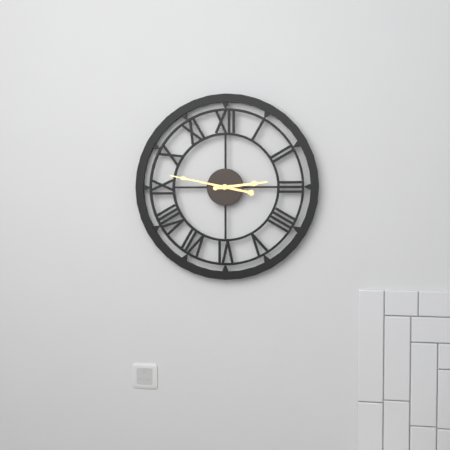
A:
2.47
